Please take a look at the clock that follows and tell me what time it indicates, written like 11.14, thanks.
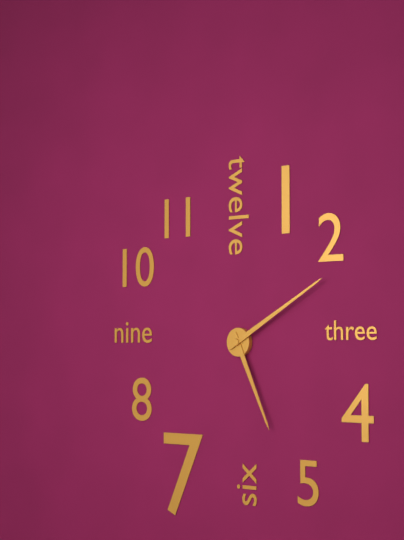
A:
5.10
